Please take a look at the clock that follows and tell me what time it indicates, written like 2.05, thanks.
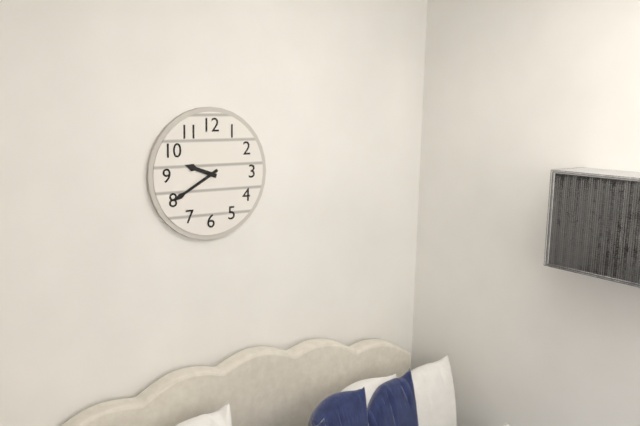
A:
9.40
